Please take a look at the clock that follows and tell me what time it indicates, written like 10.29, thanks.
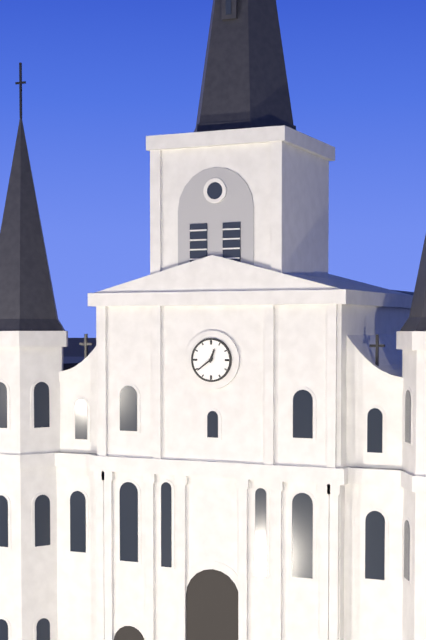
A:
12.39
